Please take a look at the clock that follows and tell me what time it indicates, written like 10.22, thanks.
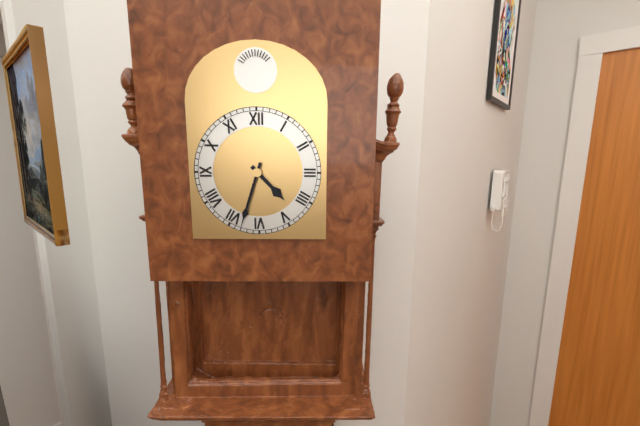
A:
4.33
